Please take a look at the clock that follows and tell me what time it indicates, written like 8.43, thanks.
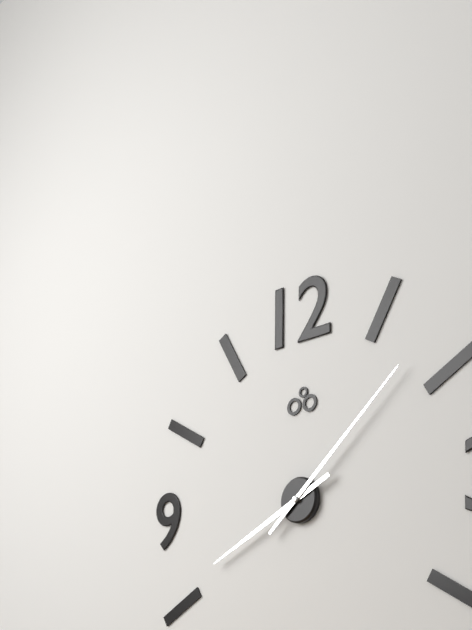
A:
8.08
